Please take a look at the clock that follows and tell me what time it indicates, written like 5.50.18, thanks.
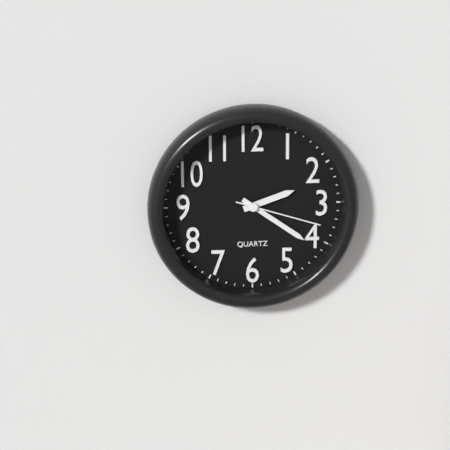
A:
2.21.18
